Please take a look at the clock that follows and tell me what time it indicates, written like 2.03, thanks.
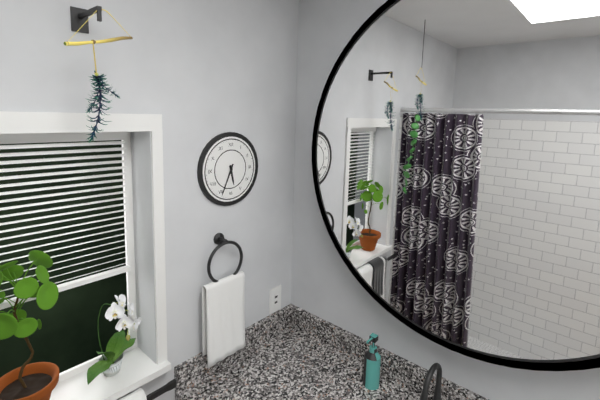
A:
5.34
